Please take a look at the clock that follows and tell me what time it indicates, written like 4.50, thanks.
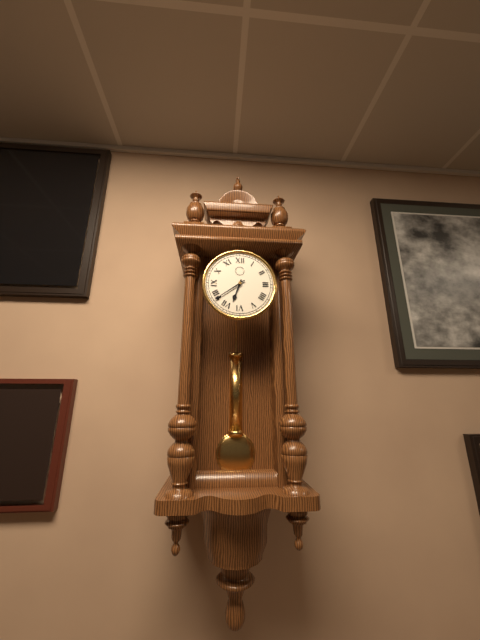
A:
6.39
